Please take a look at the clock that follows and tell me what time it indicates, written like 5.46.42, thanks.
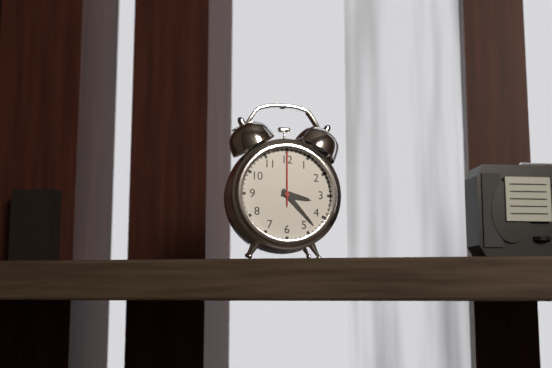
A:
3.23.00
